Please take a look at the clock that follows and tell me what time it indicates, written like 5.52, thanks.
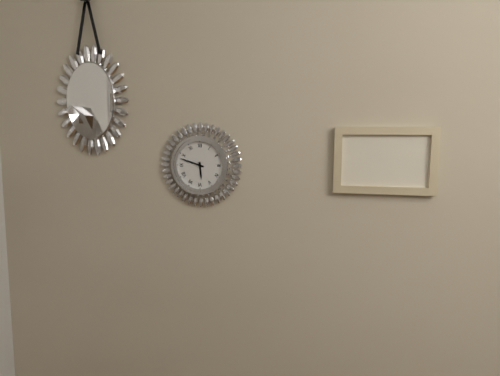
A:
5.48
